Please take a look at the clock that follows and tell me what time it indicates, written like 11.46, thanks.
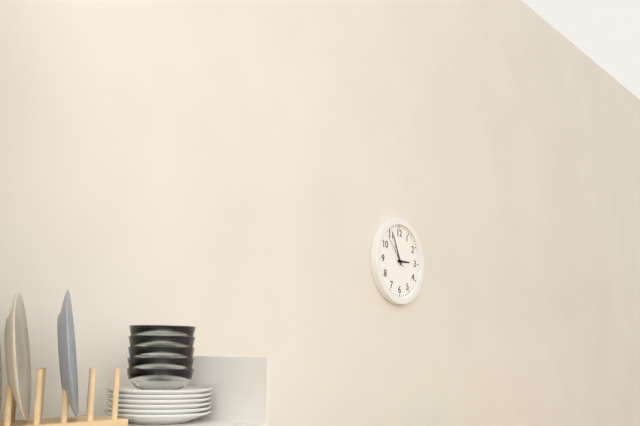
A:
2.56
